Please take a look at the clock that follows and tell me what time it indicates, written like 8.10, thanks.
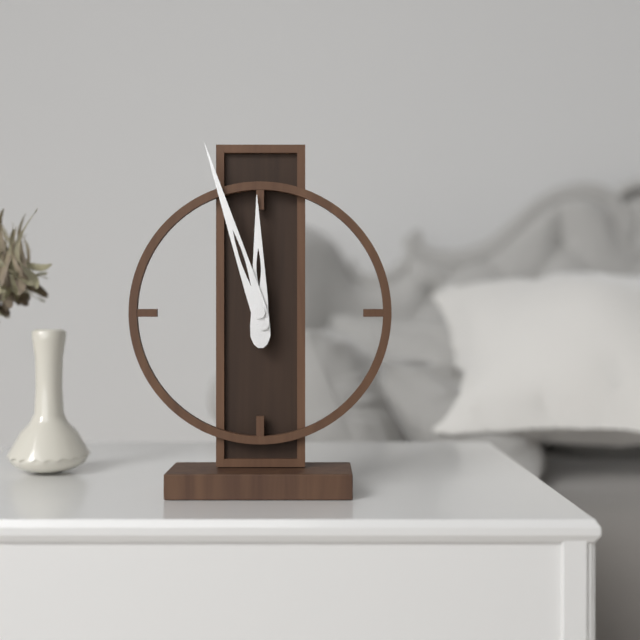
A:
11.57
